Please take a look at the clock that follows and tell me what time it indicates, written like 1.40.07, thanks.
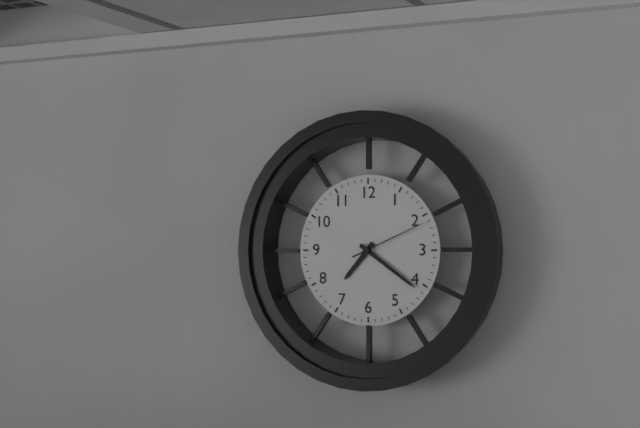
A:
7.21.11
